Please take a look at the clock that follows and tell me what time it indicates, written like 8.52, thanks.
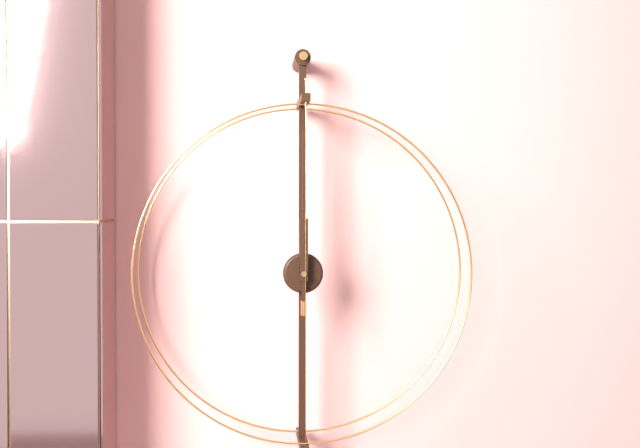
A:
12.00
